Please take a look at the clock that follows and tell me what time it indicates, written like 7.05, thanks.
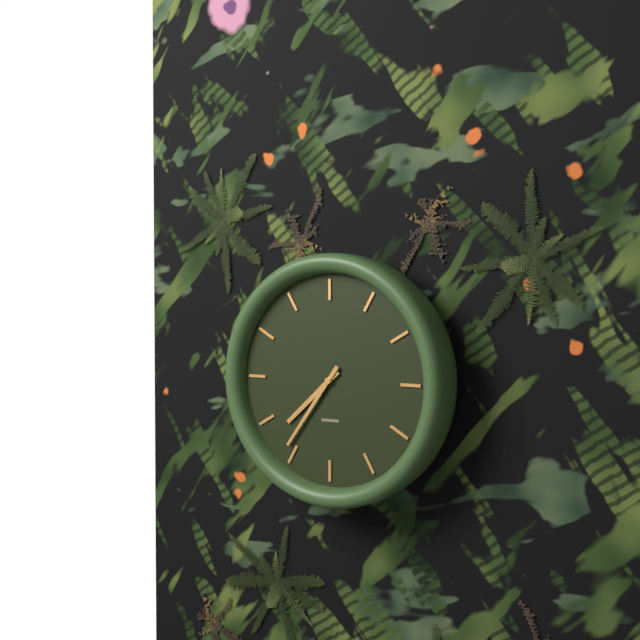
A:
7.36
